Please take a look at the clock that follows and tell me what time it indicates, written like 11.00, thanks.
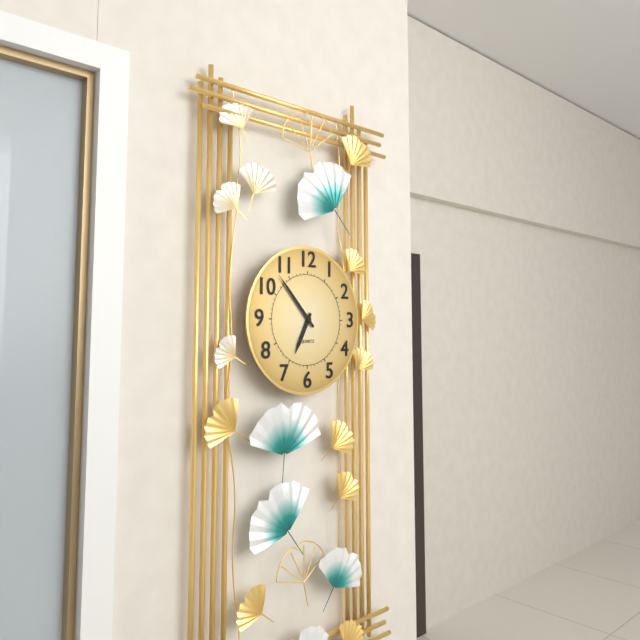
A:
6.53
